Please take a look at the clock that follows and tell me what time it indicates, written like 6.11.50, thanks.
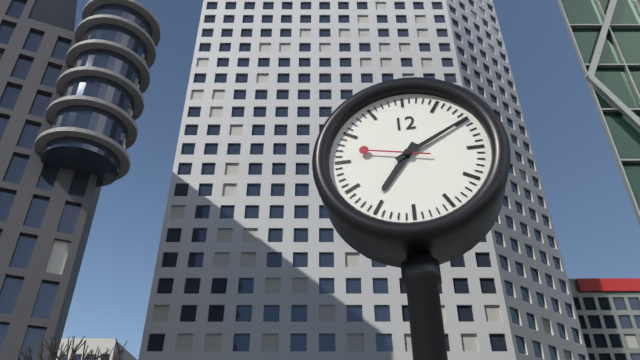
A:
7.10.47
